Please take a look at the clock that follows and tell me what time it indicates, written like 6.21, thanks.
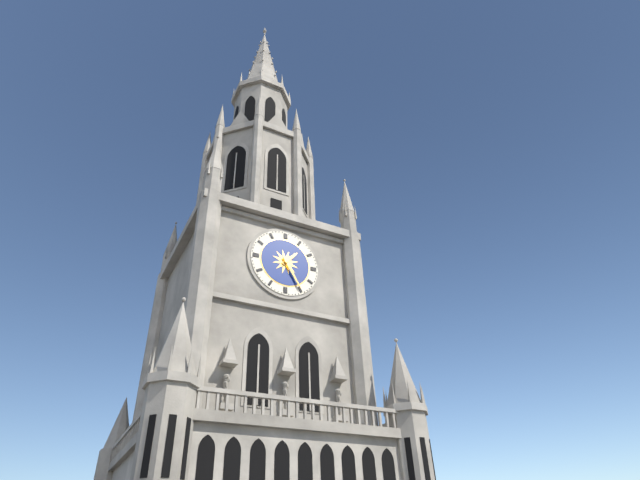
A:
1.25
